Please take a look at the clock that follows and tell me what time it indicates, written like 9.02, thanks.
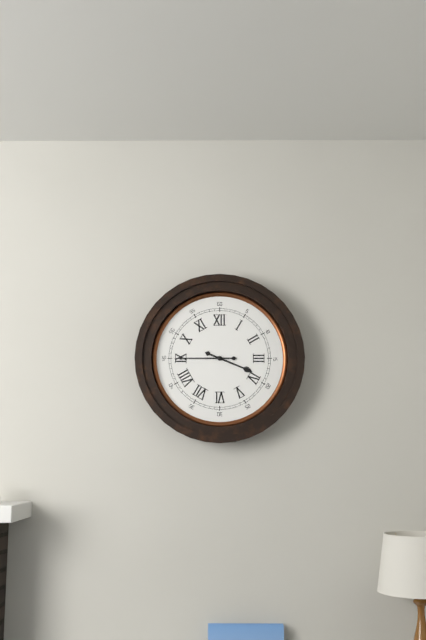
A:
3.45
